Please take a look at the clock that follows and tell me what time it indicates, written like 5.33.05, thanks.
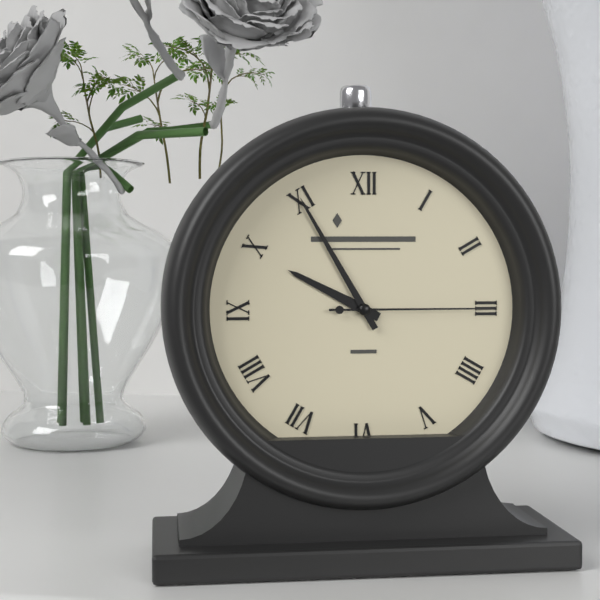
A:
9.55.15
